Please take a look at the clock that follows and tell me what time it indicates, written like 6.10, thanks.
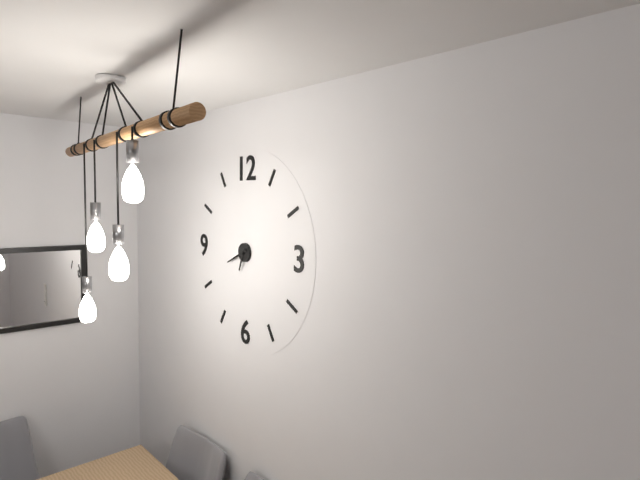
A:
6.41
